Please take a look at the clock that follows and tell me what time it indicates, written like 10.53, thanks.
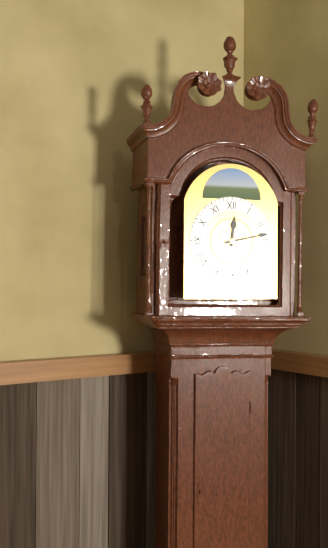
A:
12.13
